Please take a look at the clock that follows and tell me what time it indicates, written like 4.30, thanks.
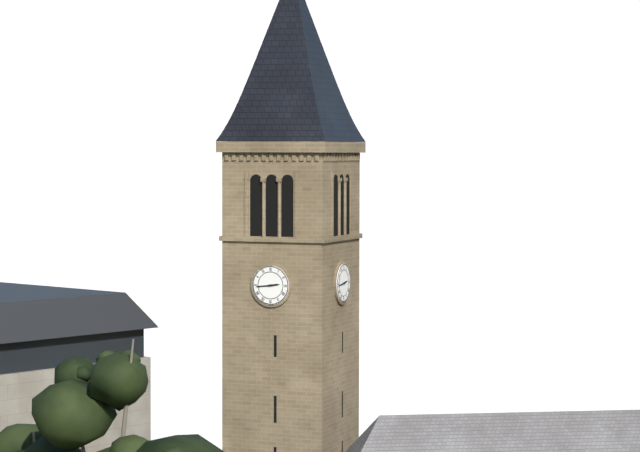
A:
2.44
